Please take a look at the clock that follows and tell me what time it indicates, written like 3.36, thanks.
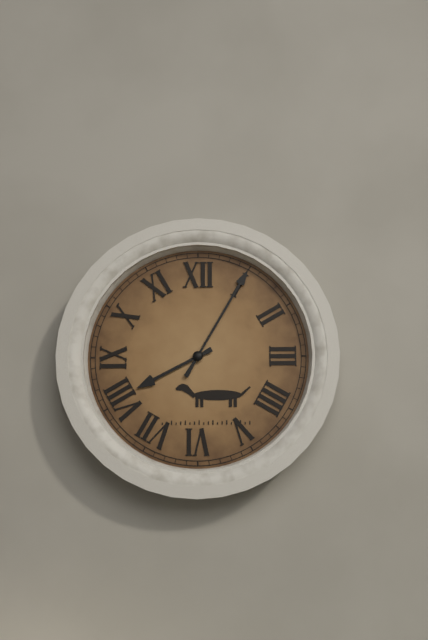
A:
8.05
